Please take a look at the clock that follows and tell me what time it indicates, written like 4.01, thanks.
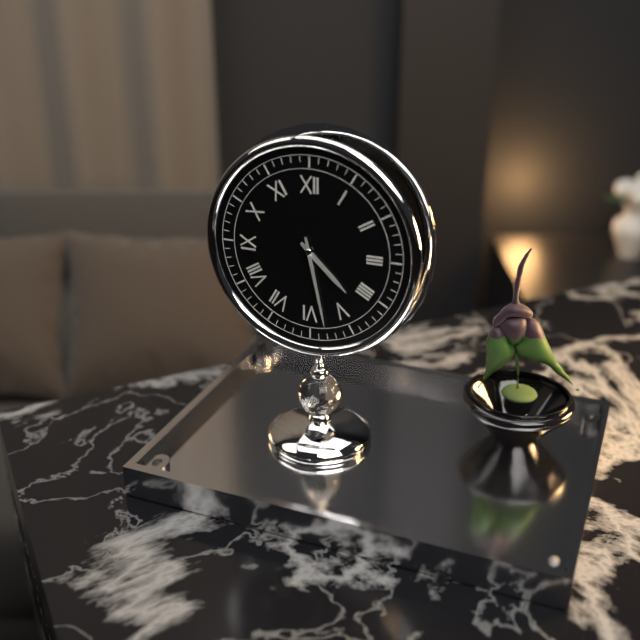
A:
4.28
